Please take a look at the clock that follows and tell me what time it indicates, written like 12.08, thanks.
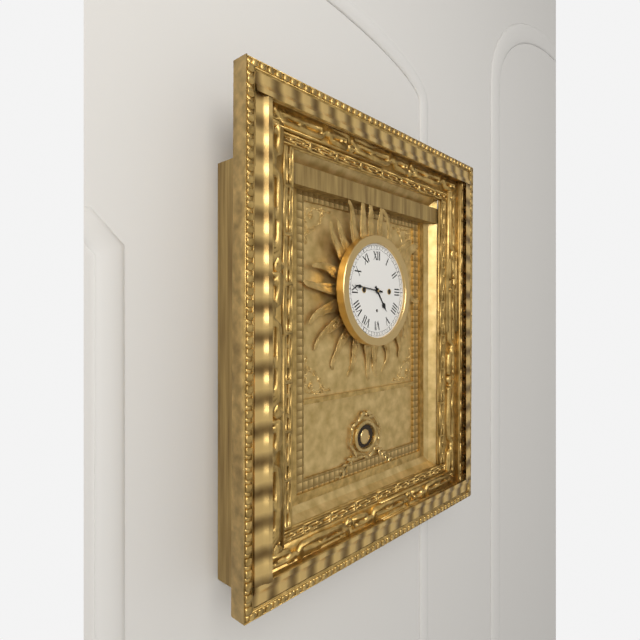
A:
4.46
